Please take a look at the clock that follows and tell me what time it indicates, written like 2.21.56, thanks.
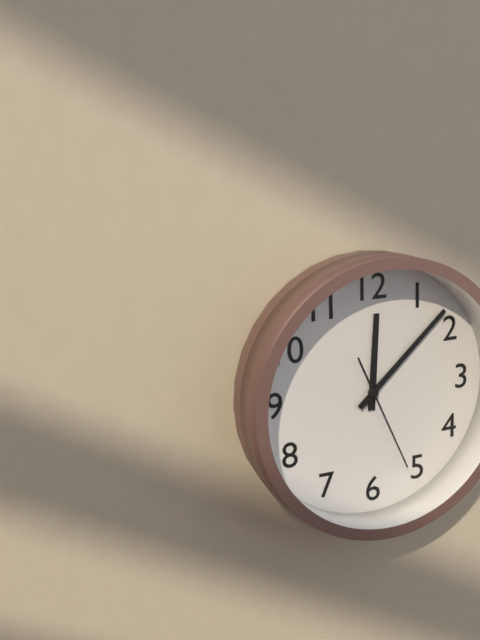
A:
12.08.26
